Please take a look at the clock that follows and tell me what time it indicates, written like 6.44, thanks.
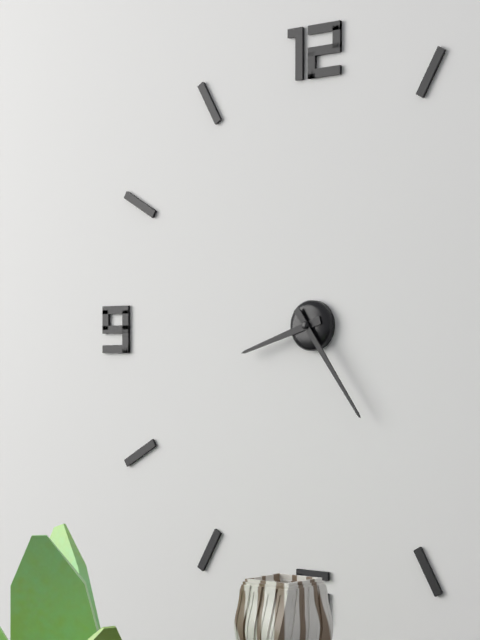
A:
8.24
